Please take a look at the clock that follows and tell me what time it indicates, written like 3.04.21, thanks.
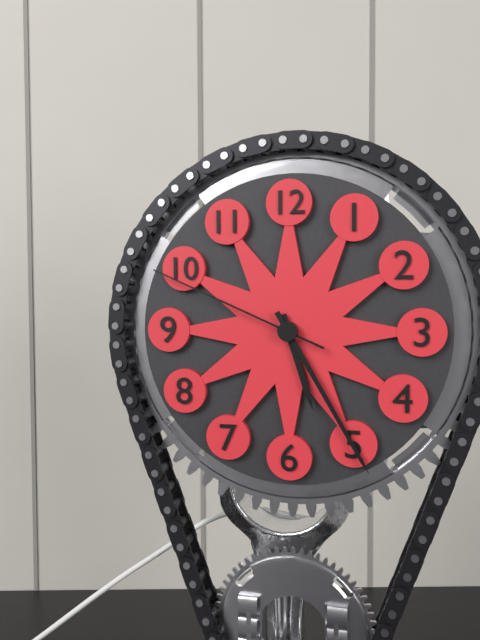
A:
5.25.49
